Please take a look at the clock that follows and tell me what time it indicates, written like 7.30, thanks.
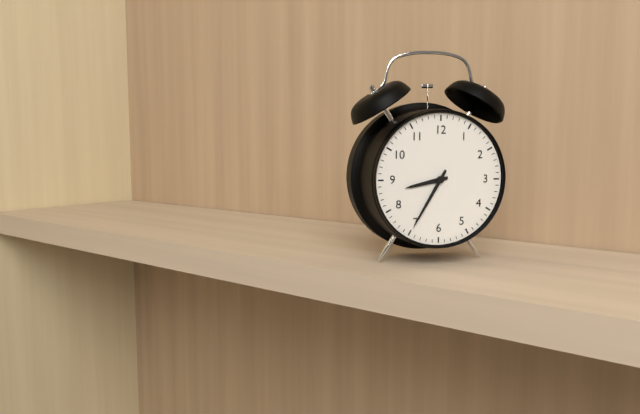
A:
8.35
